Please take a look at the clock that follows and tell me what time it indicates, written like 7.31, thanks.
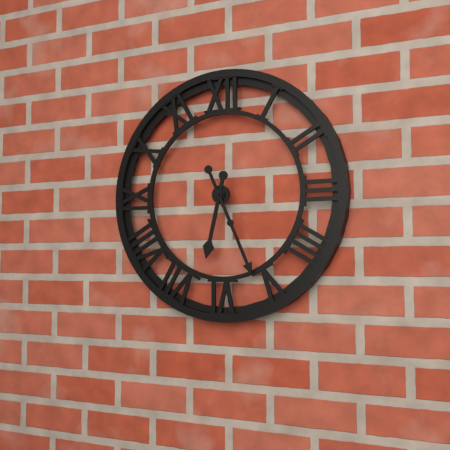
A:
6.26
